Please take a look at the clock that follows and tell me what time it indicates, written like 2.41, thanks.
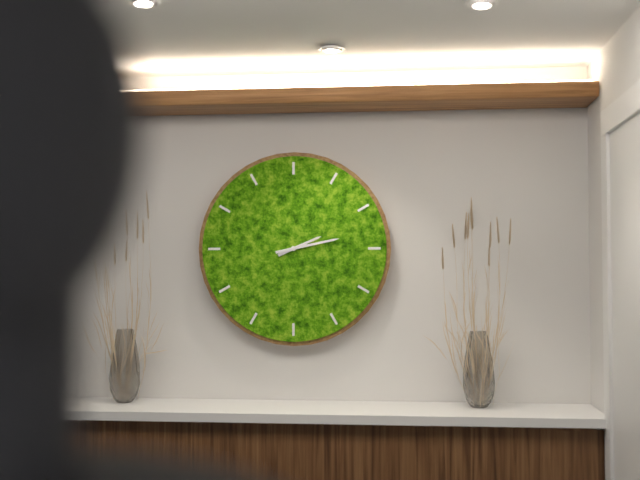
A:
2.13
